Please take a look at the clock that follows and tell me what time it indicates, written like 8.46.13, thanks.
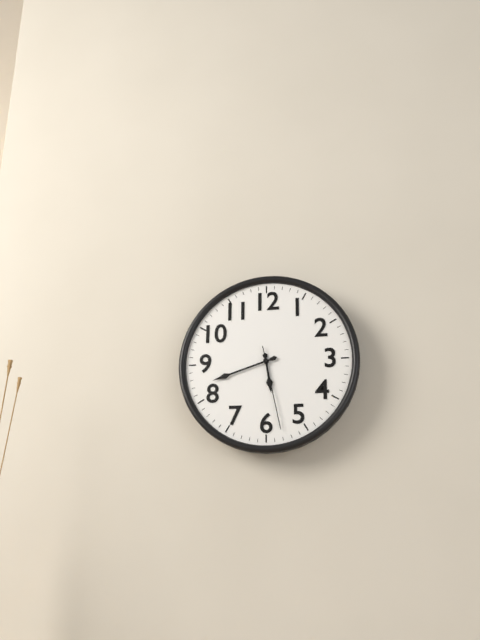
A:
5.42.28
